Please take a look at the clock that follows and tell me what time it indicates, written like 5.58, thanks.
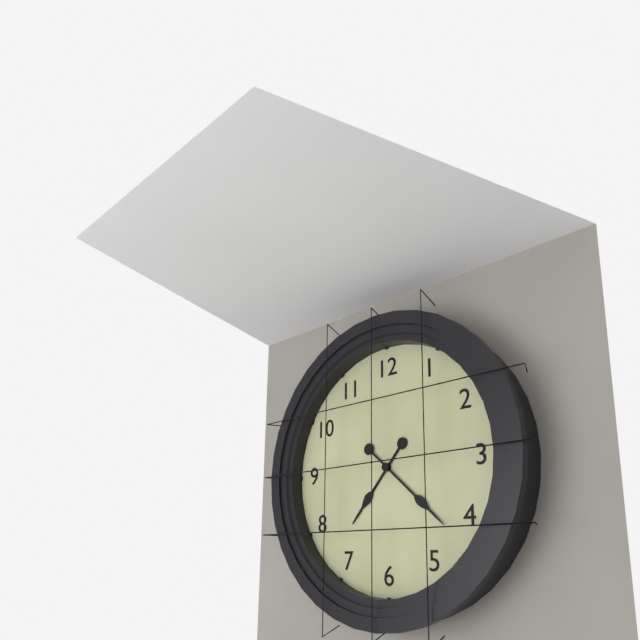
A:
7.22
